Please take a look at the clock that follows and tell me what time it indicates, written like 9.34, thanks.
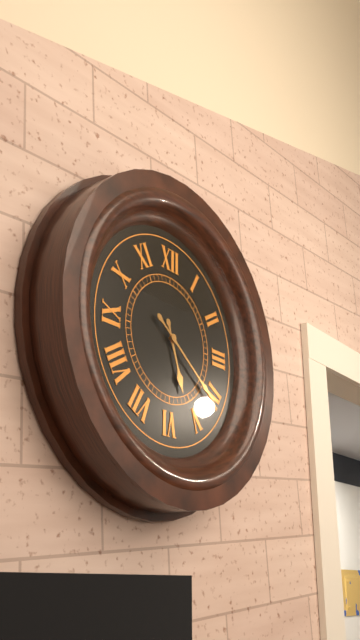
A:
5.21
